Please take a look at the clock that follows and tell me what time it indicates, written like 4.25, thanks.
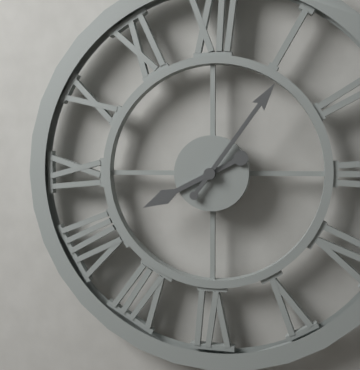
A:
8.06
